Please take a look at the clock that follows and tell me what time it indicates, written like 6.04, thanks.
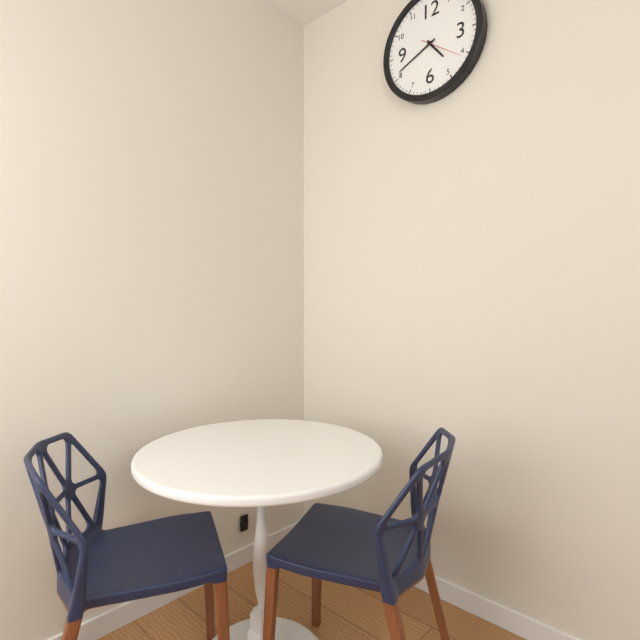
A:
4.41
